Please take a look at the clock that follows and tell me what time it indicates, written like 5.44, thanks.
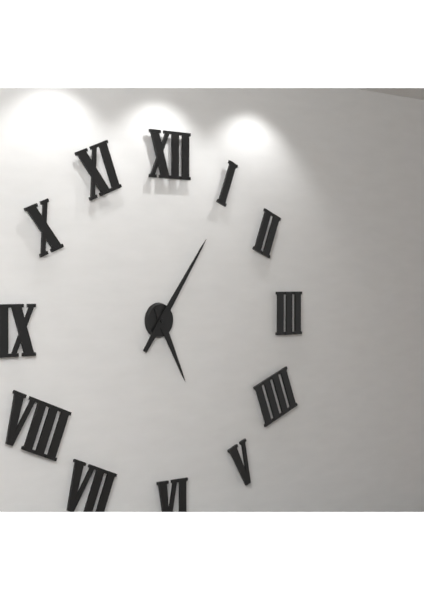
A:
5.06
